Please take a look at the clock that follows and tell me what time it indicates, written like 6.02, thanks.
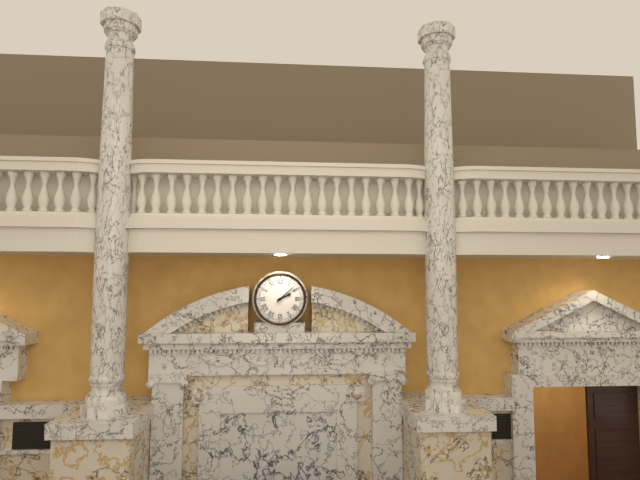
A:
2.08
